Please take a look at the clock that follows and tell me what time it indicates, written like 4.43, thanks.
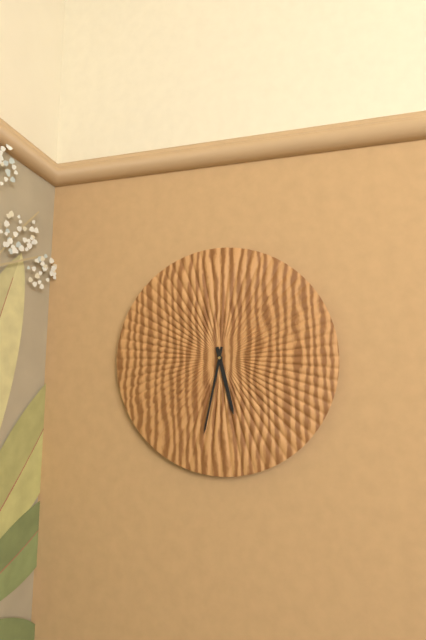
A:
5.32
